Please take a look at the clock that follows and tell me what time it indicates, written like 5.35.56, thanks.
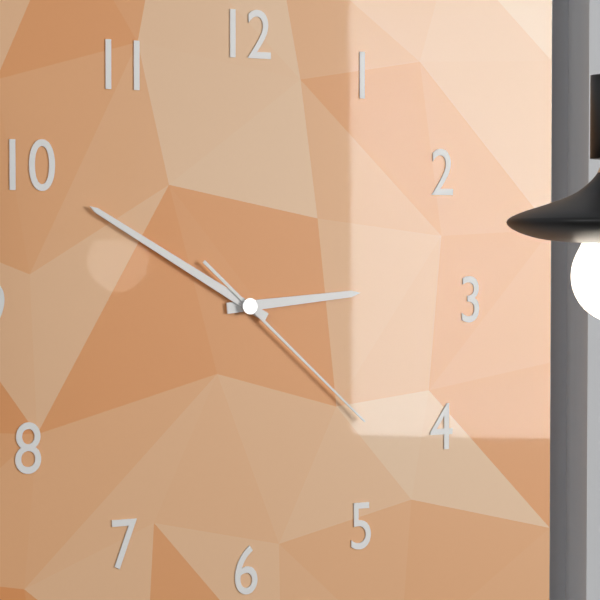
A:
2.50.22
